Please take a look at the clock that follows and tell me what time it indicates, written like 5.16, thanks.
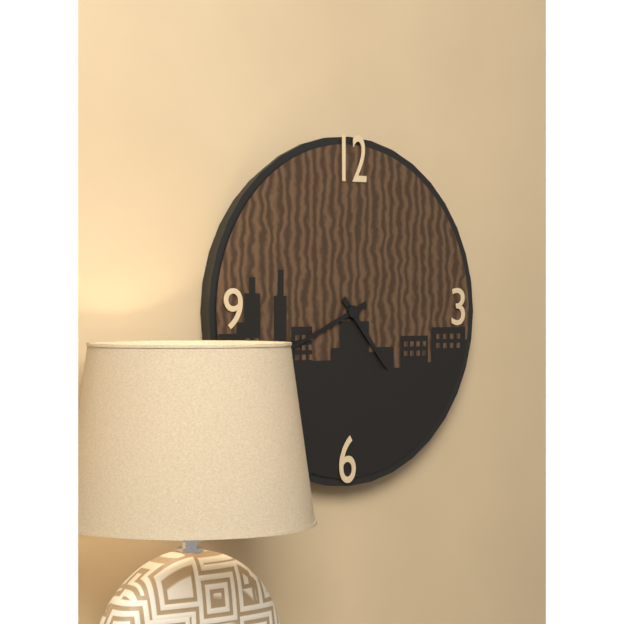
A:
4.41
